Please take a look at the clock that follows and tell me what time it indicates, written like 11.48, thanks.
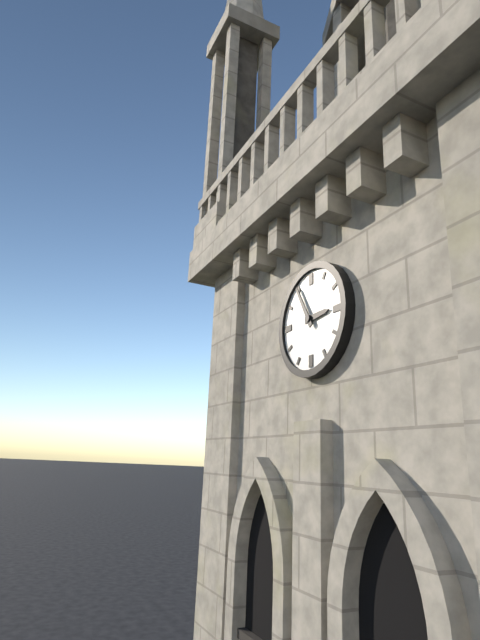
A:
2.55
